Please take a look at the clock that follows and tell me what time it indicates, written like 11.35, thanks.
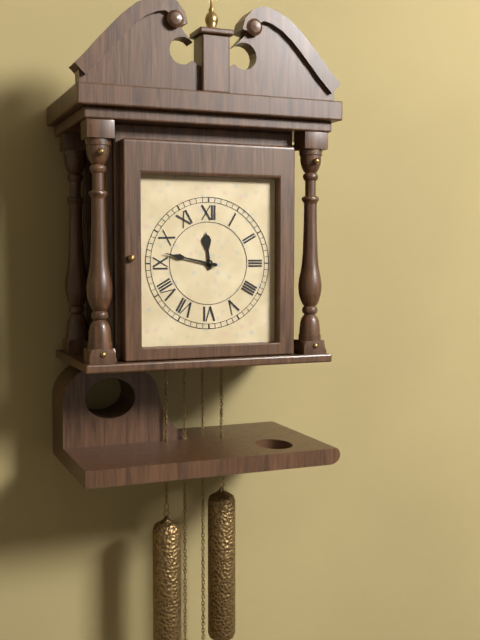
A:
11.47
